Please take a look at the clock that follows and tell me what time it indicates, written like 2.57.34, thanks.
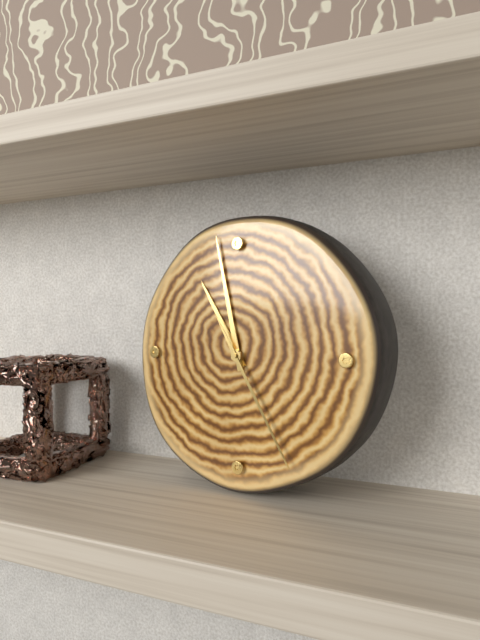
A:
10.58.25
